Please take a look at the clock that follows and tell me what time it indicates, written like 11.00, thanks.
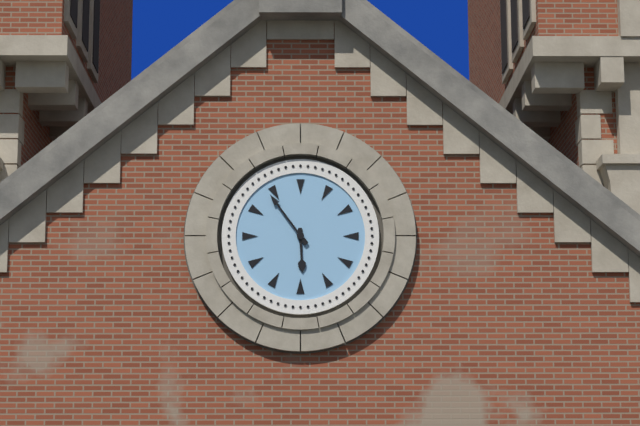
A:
5.54
